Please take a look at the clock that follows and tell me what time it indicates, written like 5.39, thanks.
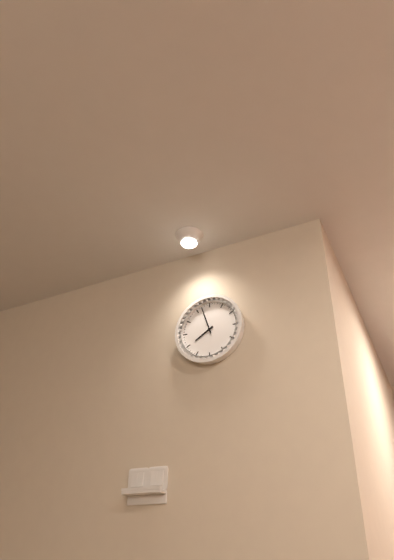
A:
7.57
